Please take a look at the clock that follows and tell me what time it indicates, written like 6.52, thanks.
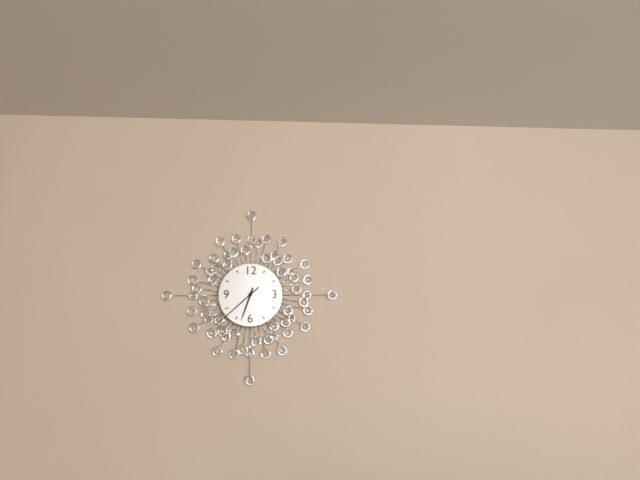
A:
6.38
